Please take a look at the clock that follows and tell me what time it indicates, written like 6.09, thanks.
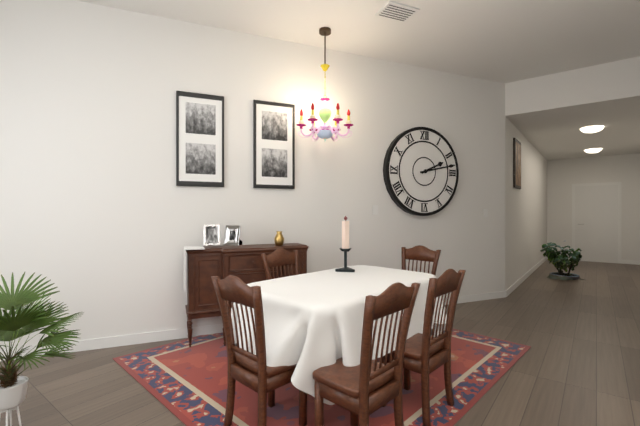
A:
2.13
